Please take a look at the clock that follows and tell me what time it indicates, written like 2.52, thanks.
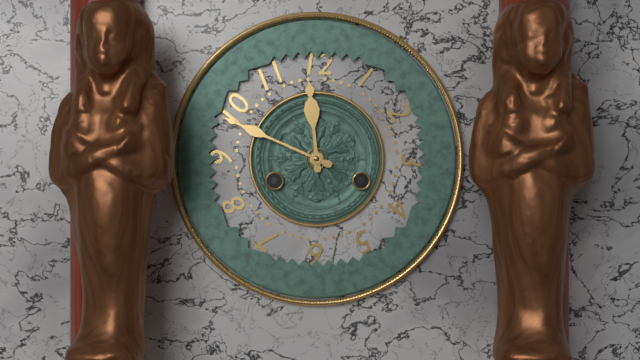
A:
11.49
